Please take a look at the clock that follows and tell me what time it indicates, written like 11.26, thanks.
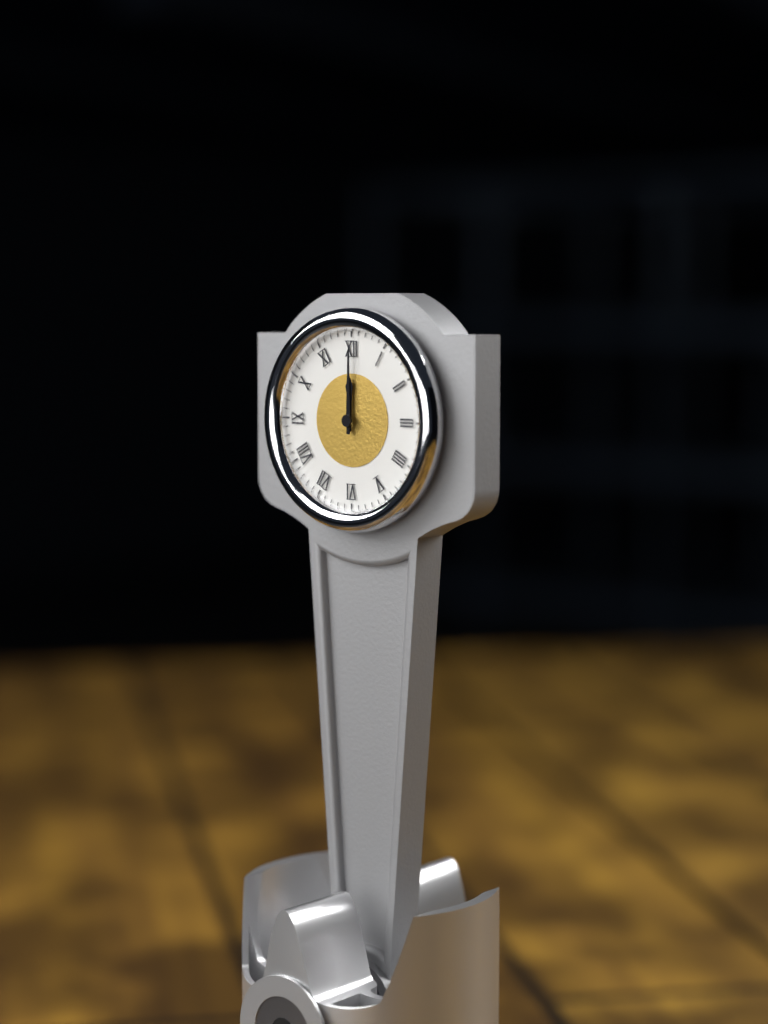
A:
12.00
